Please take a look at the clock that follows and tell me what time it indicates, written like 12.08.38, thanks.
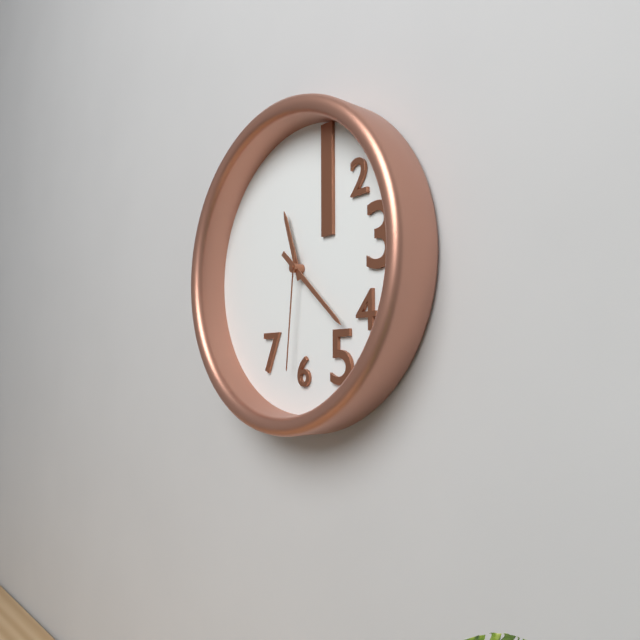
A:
11.22.31
